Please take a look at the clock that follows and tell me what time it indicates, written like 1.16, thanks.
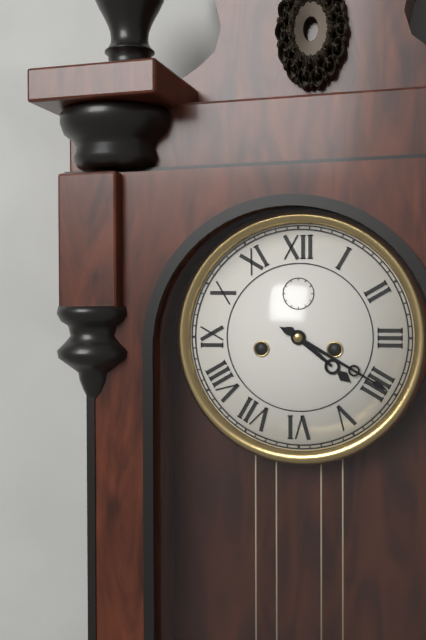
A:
4.20
